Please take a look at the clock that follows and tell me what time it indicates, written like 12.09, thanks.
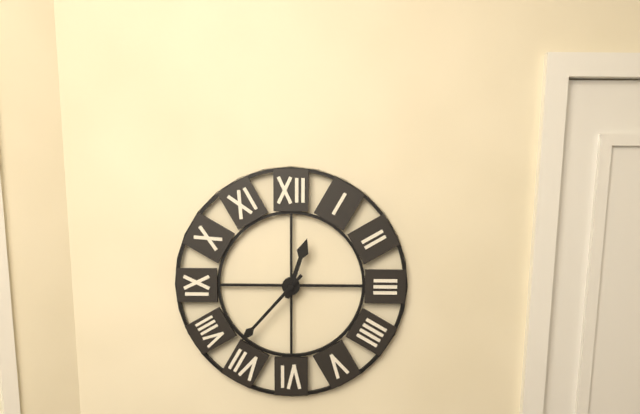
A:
12.37
